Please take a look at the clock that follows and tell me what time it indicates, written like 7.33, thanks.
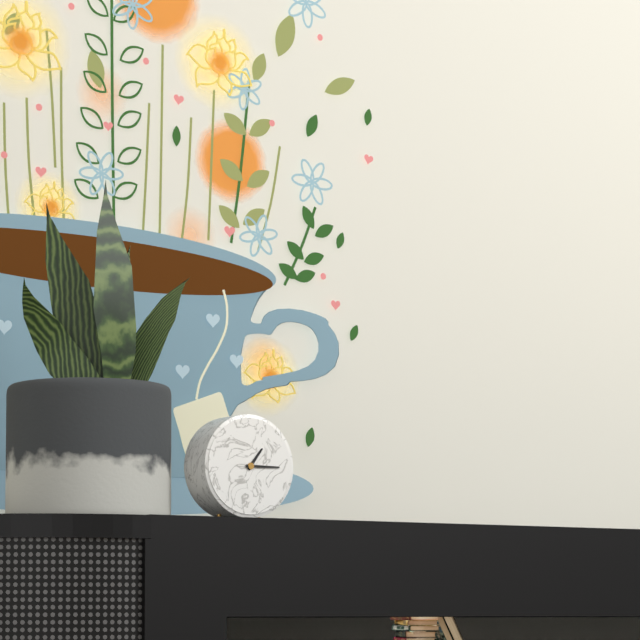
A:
1.15
